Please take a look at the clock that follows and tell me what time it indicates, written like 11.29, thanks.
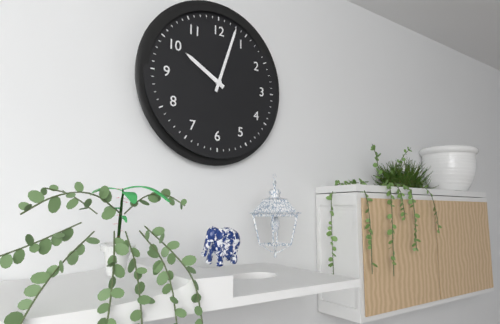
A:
10.03
